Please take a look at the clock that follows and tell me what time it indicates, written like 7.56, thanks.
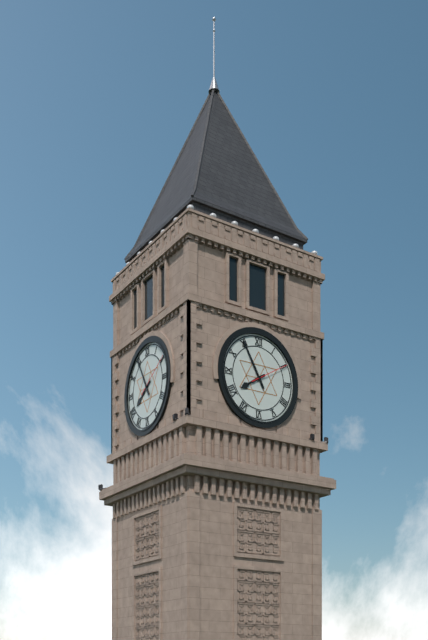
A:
7.55
